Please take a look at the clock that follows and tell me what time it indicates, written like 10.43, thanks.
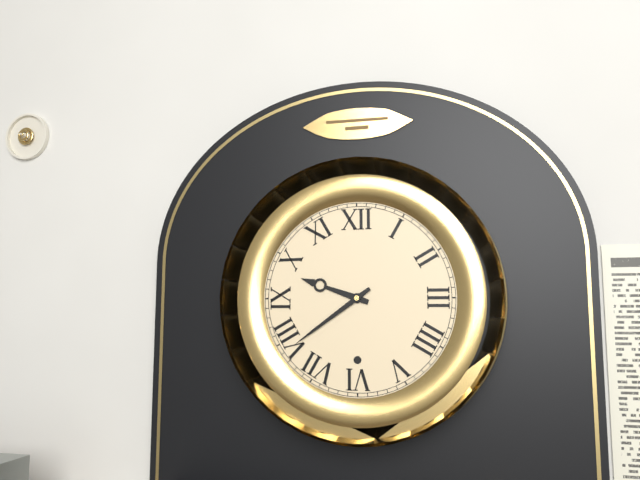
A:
9.39
